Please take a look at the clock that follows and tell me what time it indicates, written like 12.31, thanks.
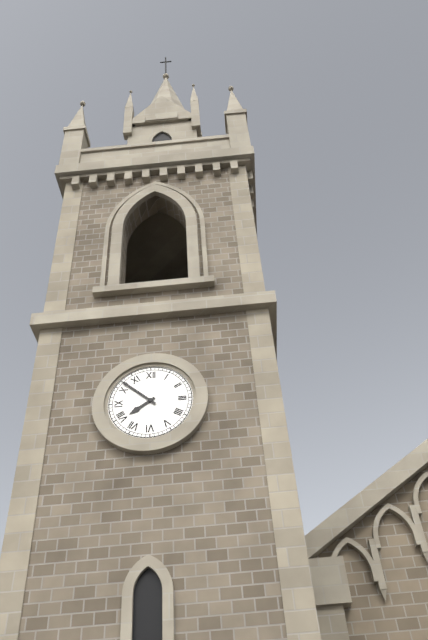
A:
7.52
